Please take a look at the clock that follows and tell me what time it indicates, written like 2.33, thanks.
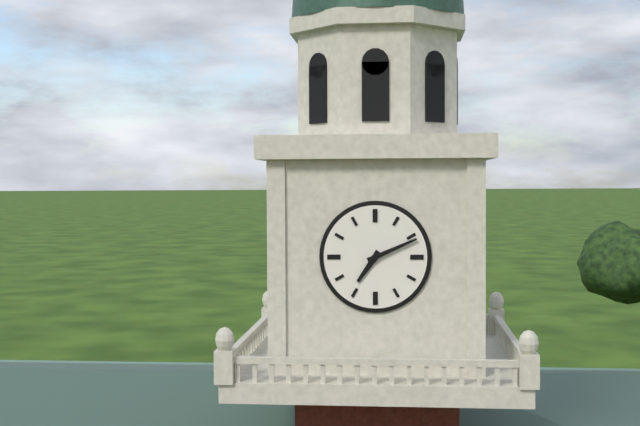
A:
7.11
